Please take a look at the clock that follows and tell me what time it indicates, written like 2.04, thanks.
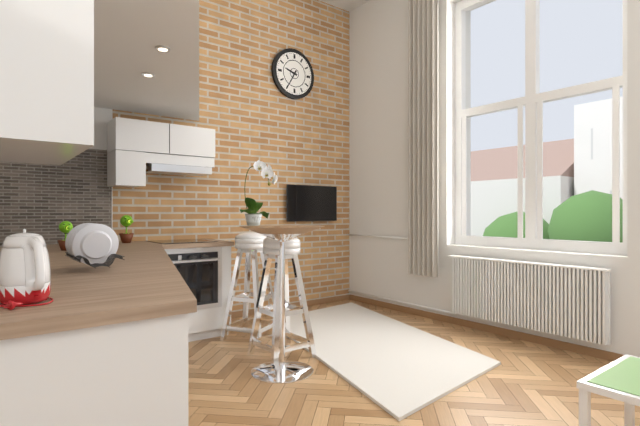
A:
9.35
